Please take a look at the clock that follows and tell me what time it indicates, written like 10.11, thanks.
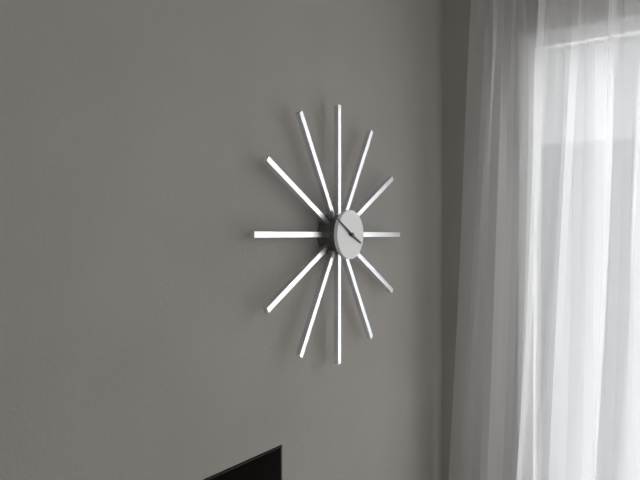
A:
3.50
